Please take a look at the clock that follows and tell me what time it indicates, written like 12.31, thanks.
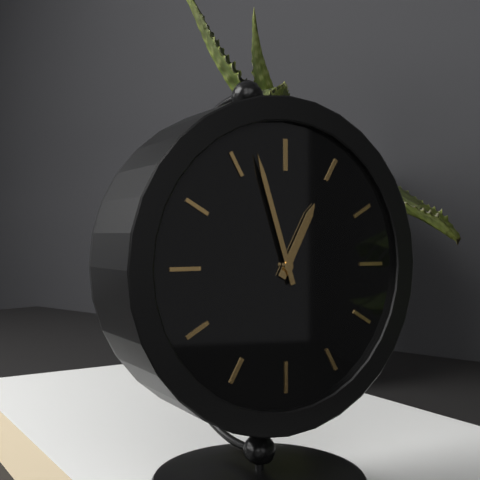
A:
12.57
